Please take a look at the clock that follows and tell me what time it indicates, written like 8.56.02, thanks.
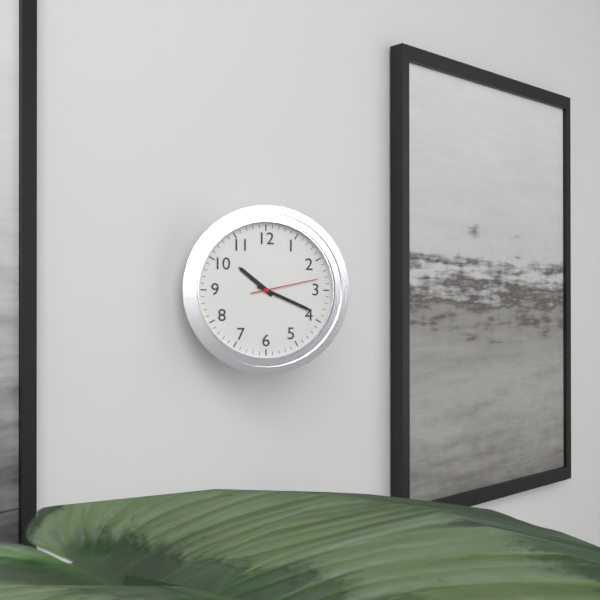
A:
10.19.13
